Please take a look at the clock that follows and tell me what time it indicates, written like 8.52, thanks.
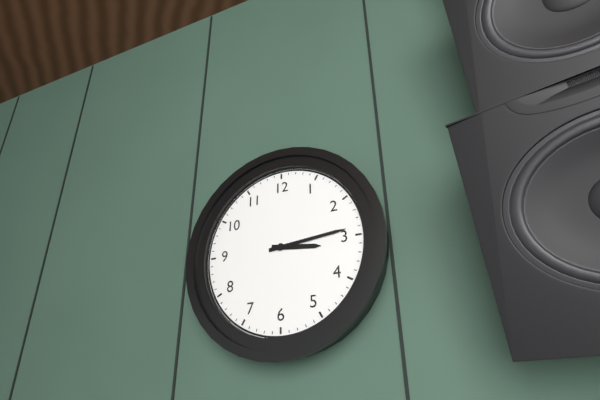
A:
3.14
